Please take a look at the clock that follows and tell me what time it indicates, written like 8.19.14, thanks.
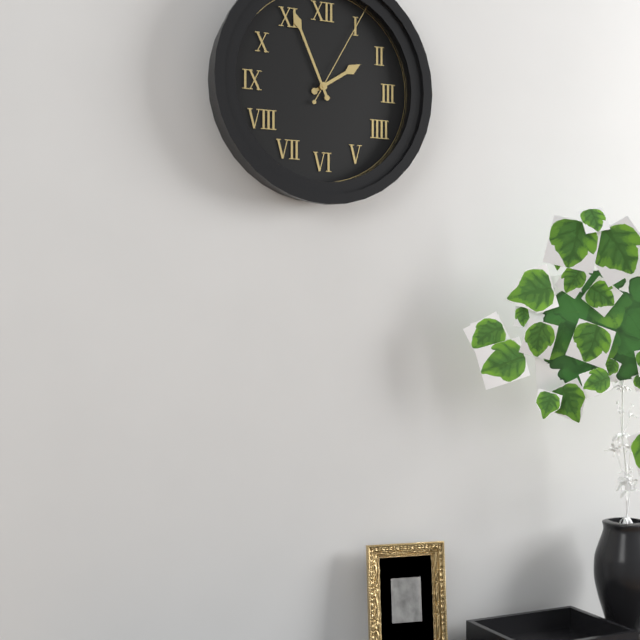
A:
1.56.05
